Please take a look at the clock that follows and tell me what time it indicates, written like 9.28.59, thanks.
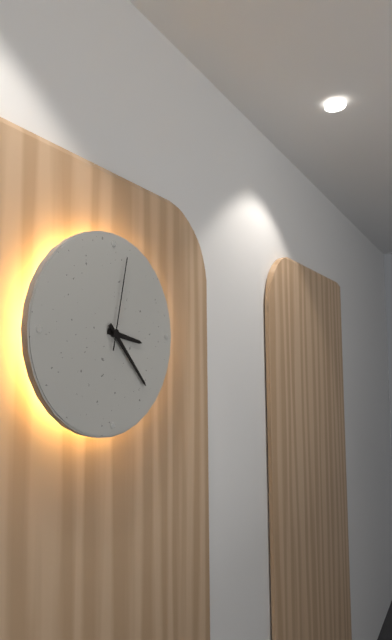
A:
3.23.02
